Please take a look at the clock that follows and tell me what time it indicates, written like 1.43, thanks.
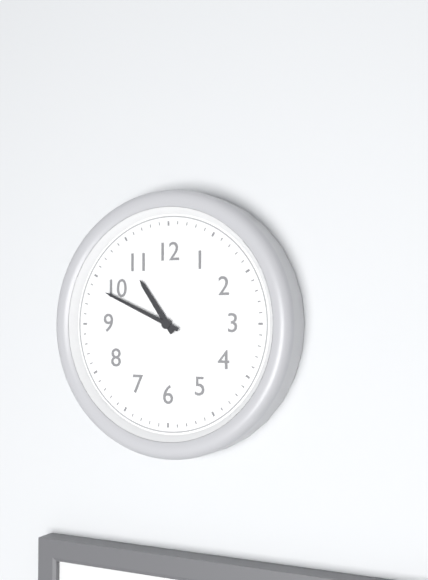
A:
10.49
